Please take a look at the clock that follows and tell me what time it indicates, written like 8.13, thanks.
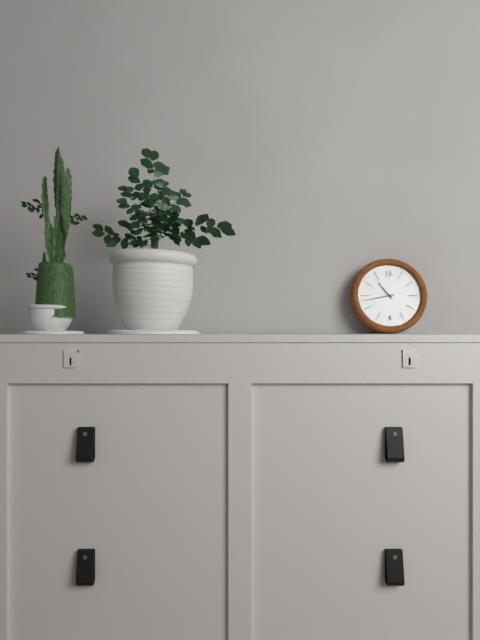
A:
10.43
